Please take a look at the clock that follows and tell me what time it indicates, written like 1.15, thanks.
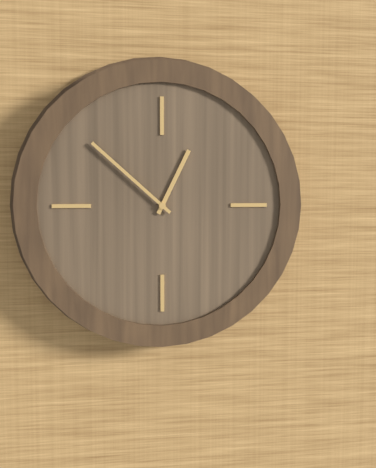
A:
12.52
